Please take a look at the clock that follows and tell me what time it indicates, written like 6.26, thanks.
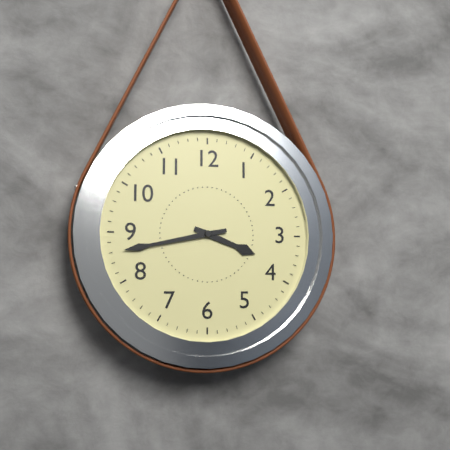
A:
3.43
